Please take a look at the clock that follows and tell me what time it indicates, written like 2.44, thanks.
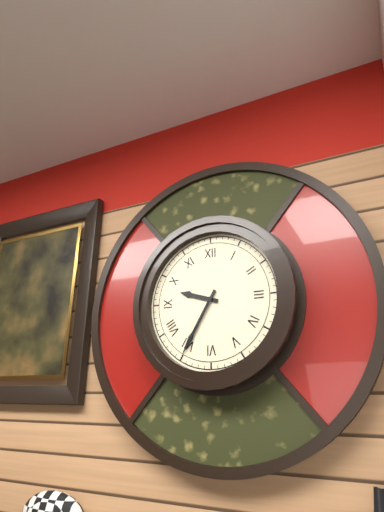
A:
9.35
